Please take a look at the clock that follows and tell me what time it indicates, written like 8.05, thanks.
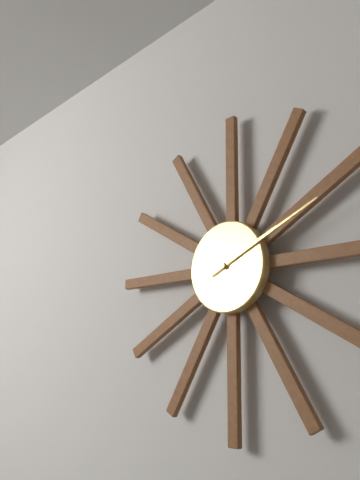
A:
2.11
